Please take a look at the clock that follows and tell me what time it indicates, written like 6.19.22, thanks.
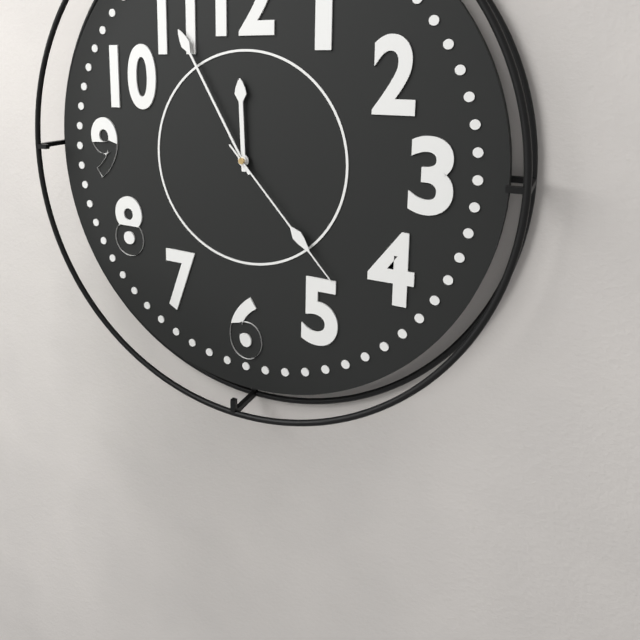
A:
11.55.23
